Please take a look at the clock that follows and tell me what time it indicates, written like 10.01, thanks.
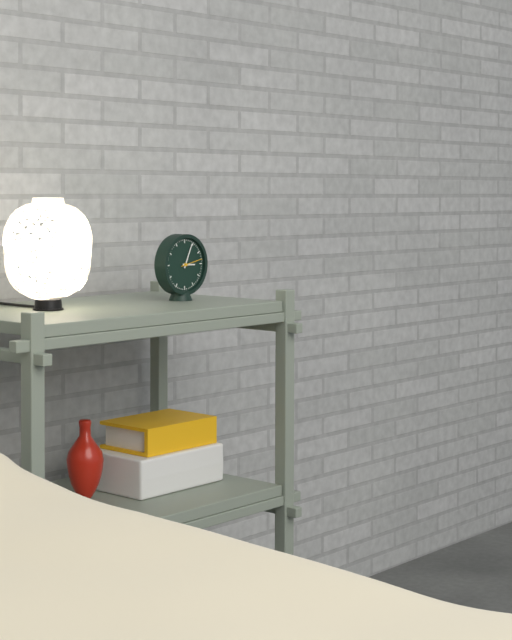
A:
3.04
